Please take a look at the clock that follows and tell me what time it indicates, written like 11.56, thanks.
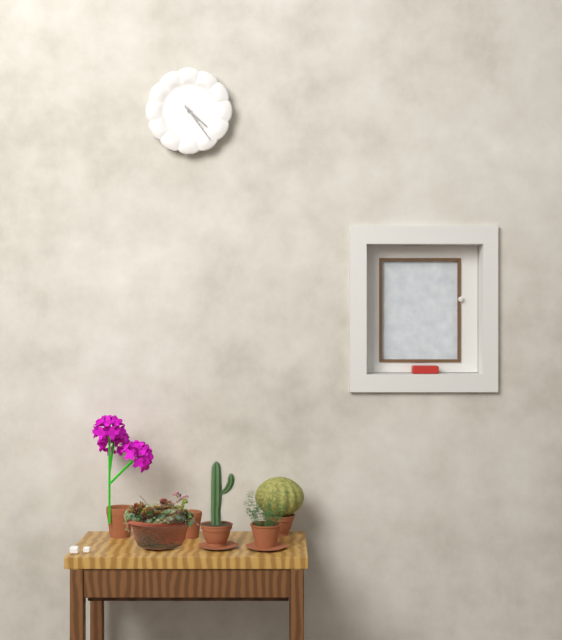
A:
4.24
